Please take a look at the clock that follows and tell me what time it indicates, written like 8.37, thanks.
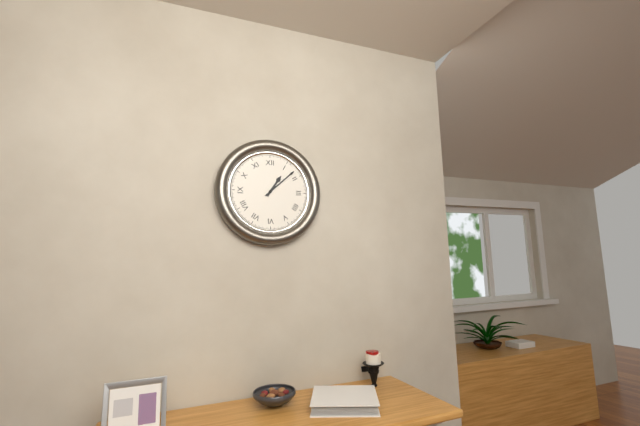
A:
1.08
